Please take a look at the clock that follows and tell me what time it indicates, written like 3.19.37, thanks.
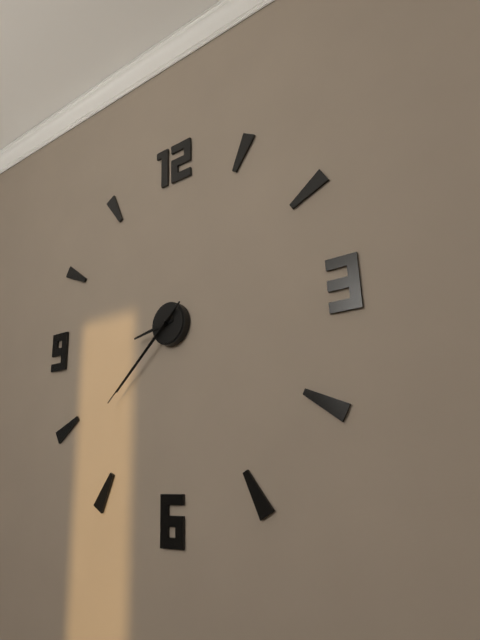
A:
8.38.38
